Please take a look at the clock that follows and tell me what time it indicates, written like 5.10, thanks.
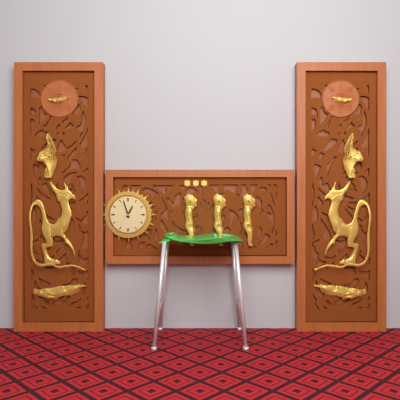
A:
12.57
